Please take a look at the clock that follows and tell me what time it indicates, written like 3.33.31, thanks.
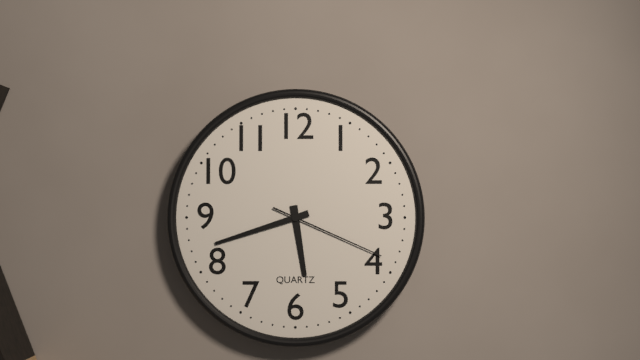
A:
5.42.19
